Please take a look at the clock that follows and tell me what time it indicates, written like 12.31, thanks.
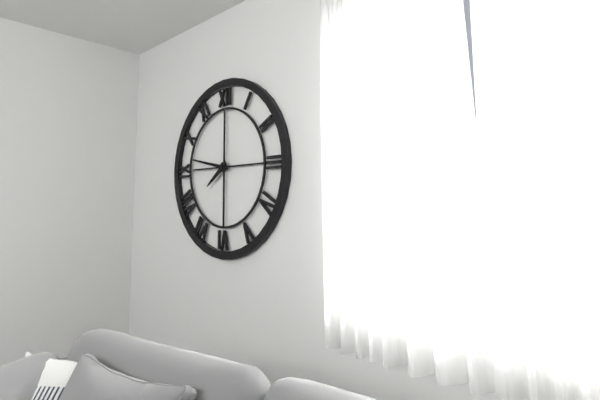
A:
7.47
